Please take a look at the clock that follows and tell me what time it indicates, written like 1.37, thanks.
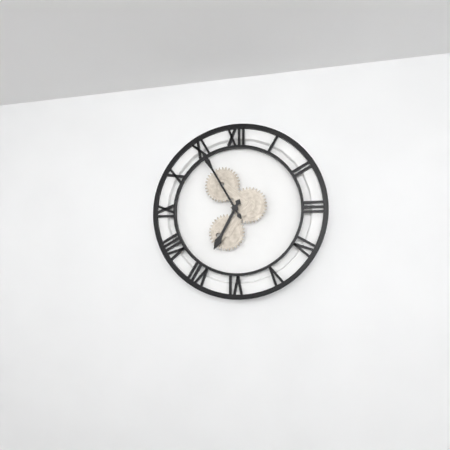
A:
6.55
